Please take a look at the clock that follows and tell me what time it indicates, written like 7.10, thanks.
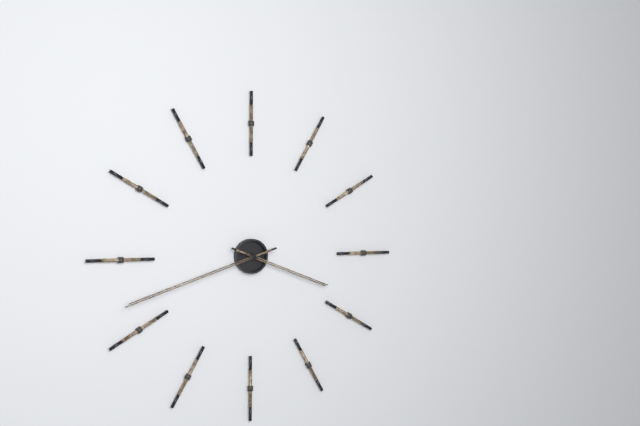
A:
3.42
